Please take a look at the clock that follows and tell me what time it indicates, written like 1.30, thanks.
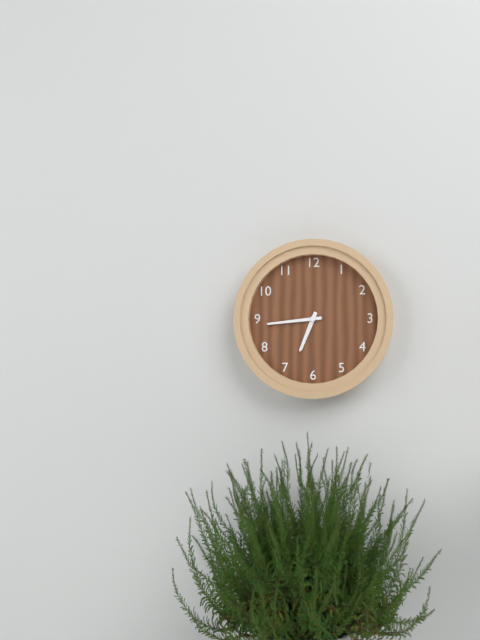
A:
6.44
